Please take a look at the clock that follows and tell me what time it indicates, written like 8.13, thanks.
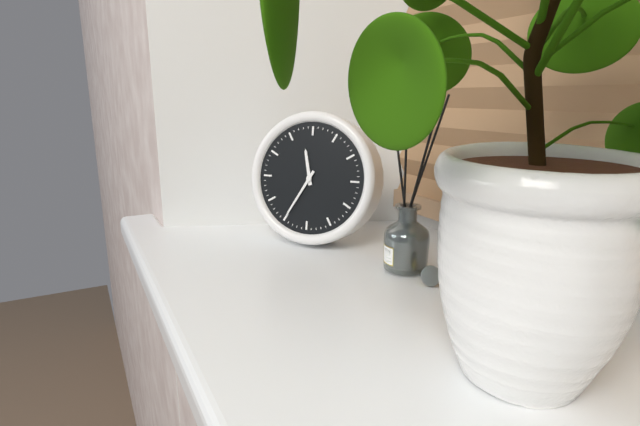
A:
11.35
